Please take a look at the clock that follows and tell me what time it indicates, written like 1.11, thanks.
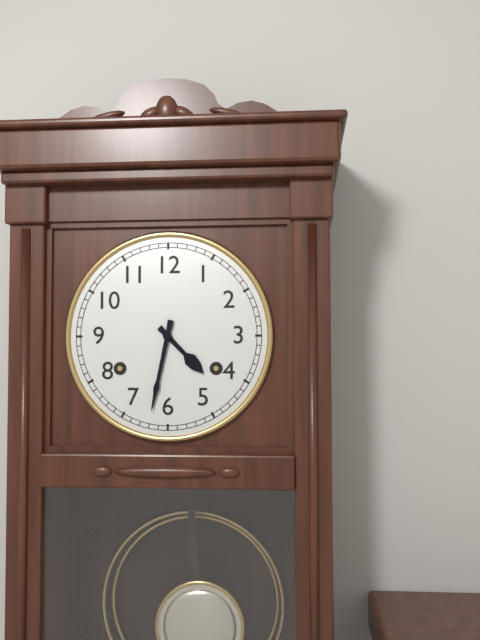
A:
4.32
